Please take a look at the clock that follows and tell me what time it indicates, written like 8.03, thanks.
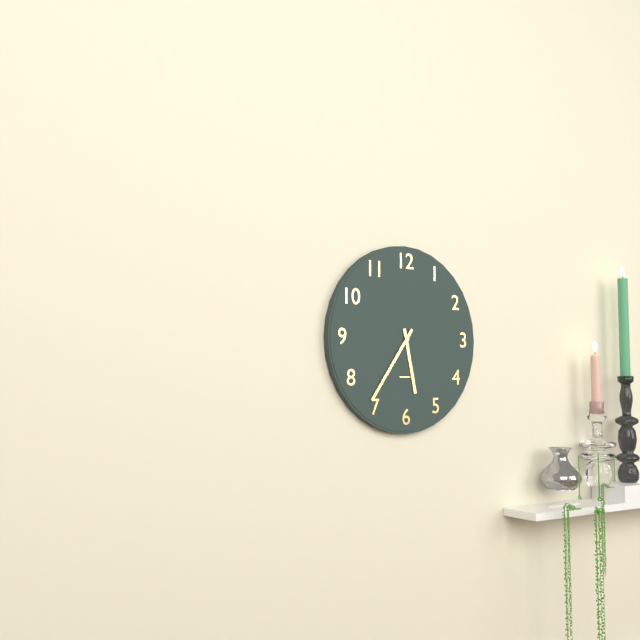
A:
5.36
